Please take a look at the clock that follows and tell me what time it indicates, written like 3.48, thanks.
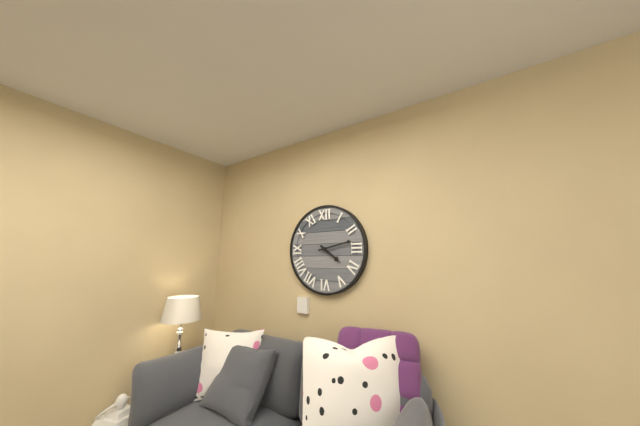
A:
4.13
